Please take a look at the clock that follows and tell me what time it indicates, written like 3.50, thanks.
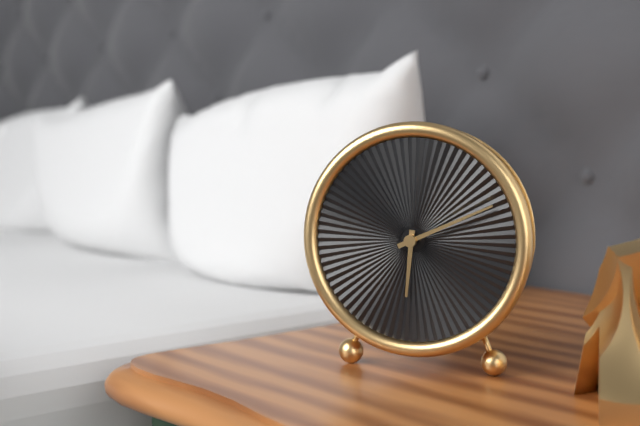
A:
6.11
